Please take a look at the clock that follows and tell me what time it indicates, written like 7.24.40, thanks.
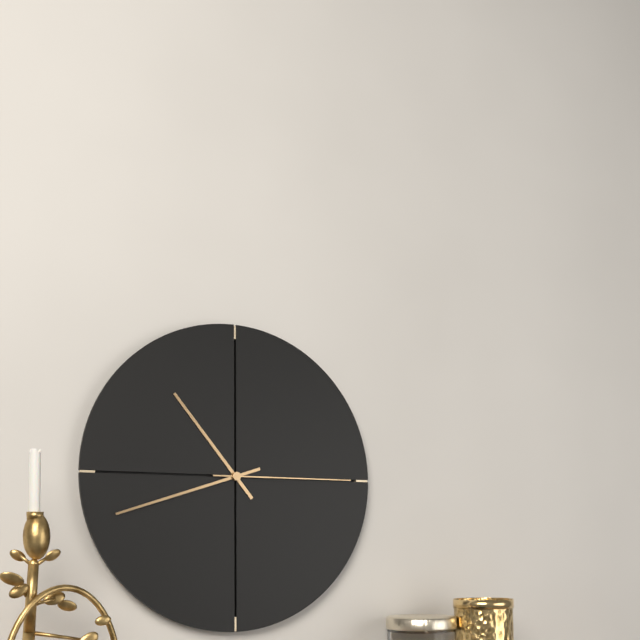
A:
10.42.15
